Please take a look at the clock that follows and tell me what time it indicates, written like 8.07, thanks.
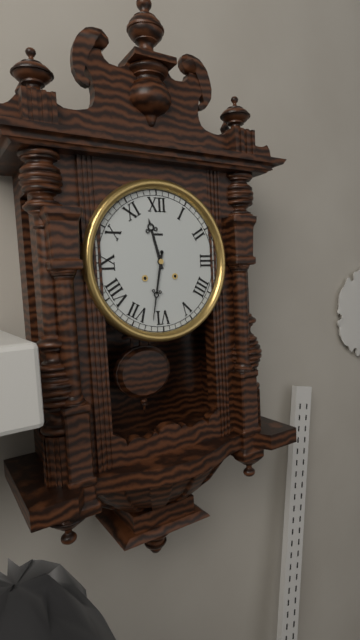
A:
11.32
